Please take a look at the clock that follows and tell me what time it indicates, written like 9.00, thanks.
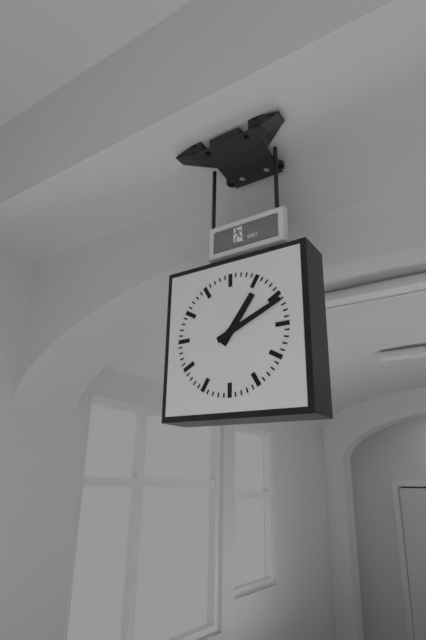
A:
1.11
